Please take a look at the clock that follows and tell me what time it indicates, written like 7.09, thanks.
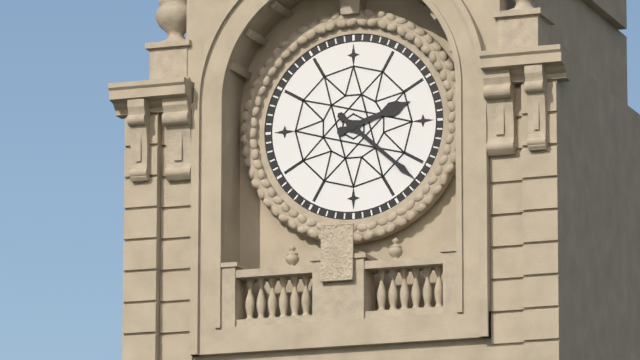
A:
2.22
